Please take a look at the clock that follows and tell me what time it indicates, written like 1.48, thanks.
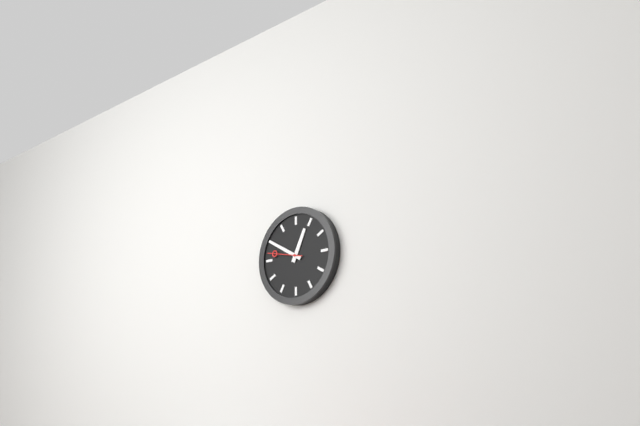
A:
12.50
